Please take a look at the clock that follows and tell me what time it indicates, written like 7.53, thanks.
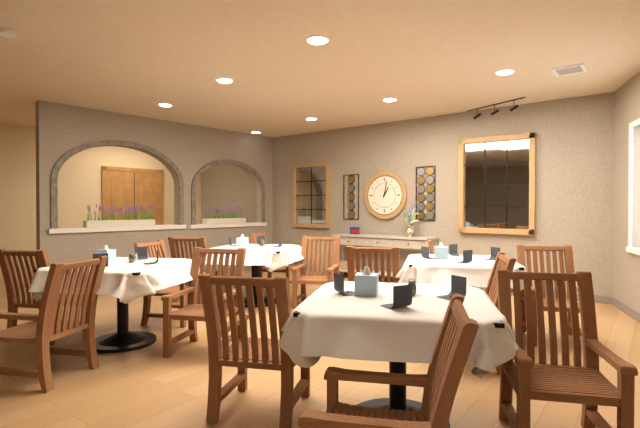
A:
1.02
